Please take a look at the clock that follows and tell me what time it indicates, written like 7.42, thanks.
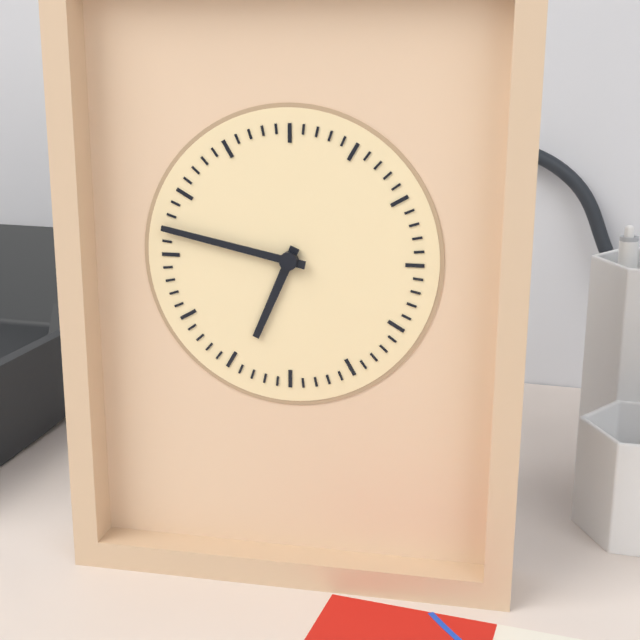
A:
6.47
